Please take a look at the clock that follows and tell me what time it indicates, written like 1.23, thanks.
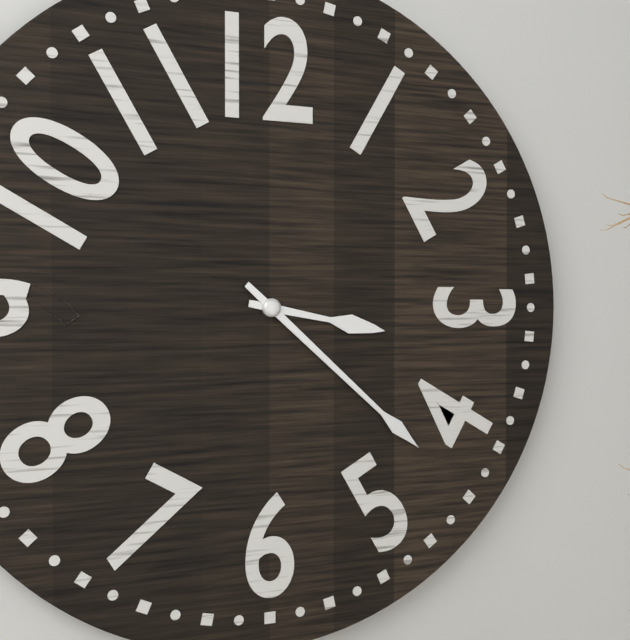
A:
3.22
